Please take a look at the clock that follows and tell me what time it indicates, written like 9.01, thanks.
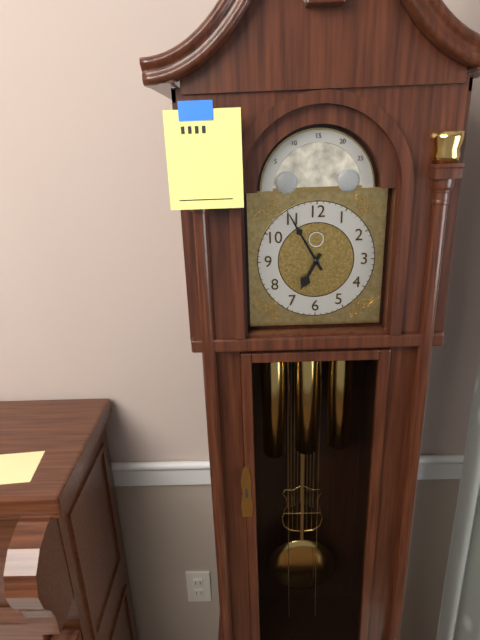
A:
6.55
